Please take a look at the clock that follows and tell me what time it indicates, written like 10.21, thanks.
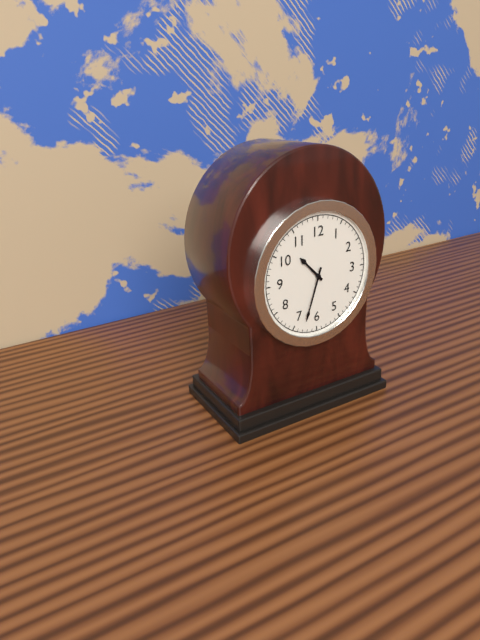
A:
10.33
